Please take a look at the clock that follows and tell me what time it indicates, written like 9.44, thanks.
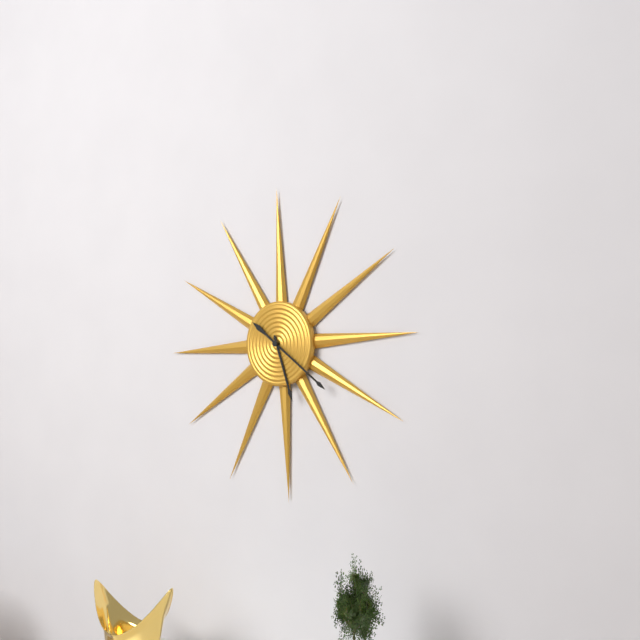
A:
5.21
